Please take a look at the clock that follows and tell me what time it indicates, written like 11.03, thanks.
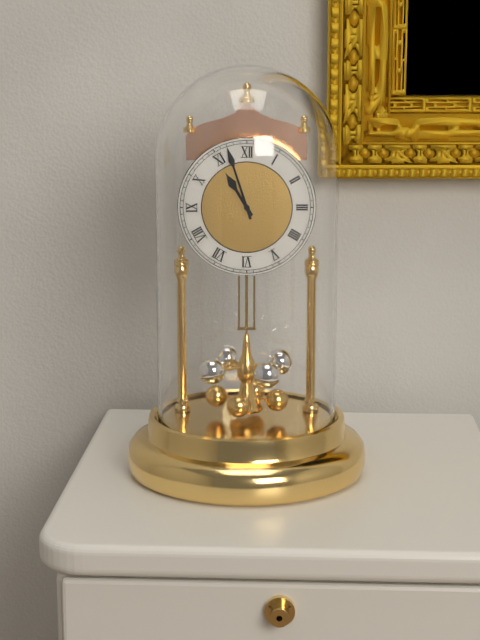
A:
10.57
